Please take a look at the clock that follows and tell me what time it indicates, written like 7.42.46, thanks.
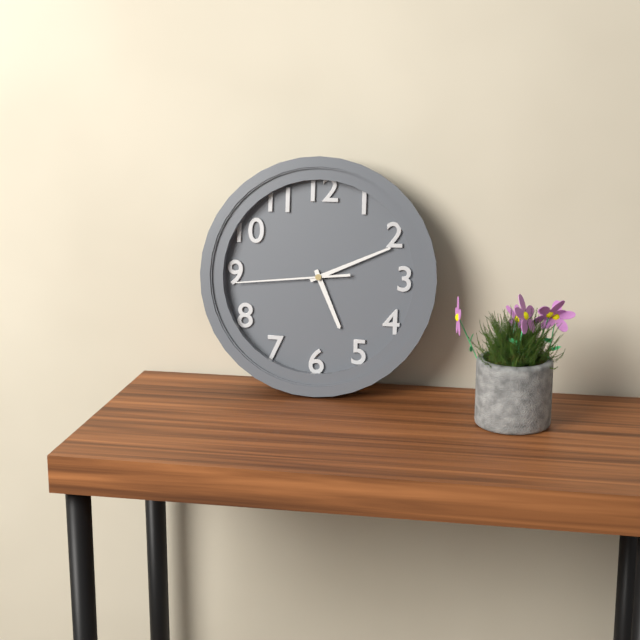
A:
5.11.44
